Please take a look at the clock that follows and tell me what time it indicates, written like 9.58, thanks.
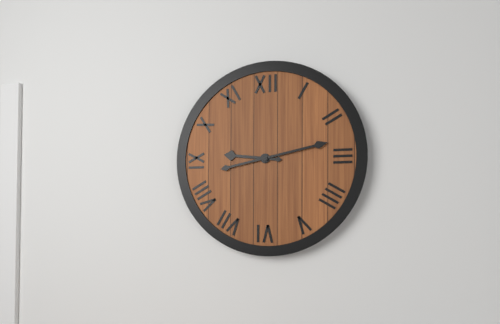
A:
9.13
